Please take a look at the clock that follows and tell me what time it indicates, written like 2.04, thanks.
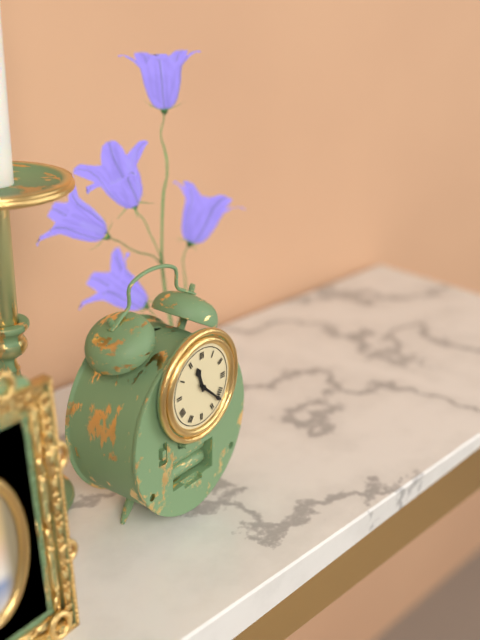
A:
11.22
